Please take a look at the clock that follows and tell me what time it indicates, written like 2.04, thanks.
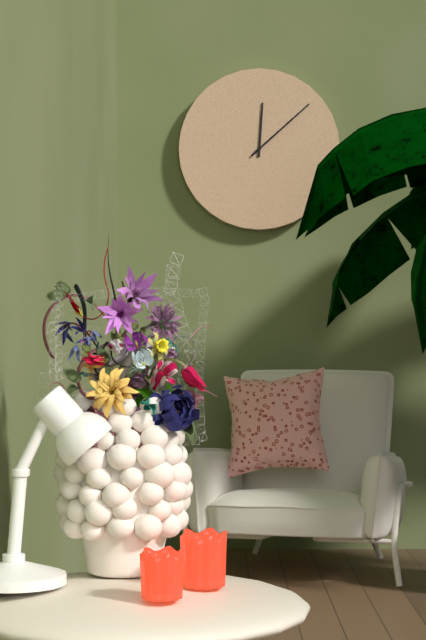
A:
12.08
